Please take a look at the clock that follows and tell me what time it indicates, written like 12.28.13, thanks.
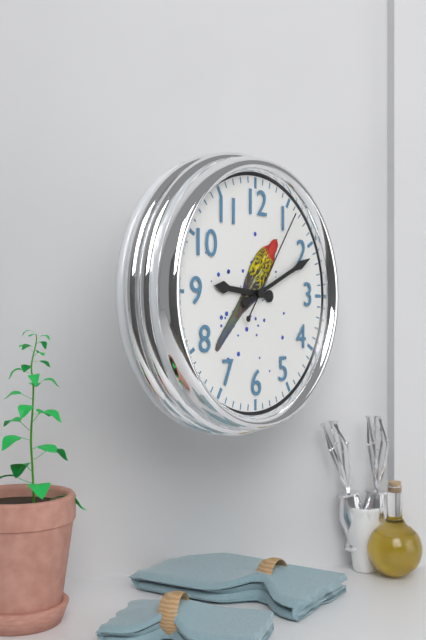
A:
9.11.06
